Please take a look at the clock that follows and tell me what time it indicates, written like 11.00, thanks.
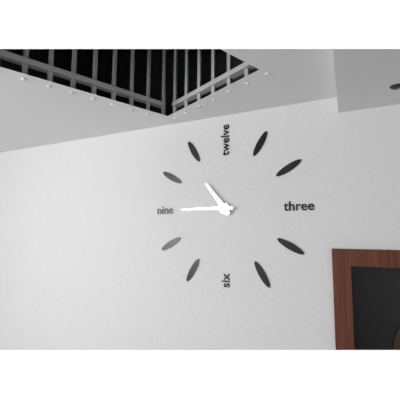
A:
10.45
